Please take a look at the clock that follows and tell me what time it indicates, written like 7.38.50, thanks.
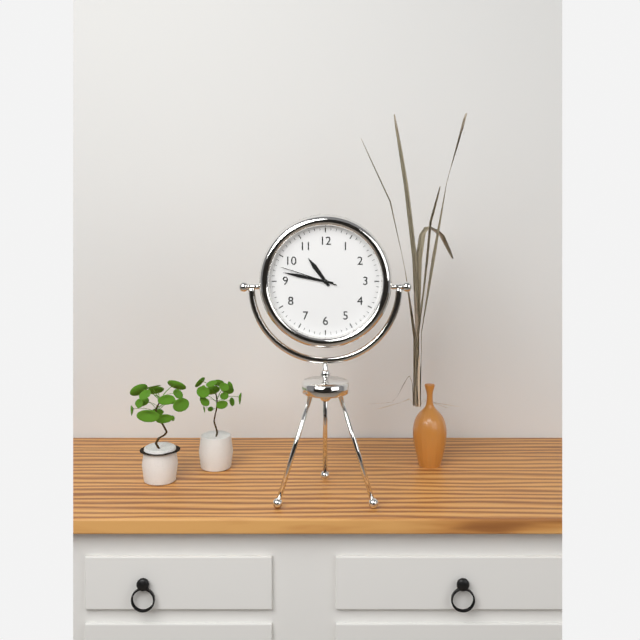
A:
10.47.48
